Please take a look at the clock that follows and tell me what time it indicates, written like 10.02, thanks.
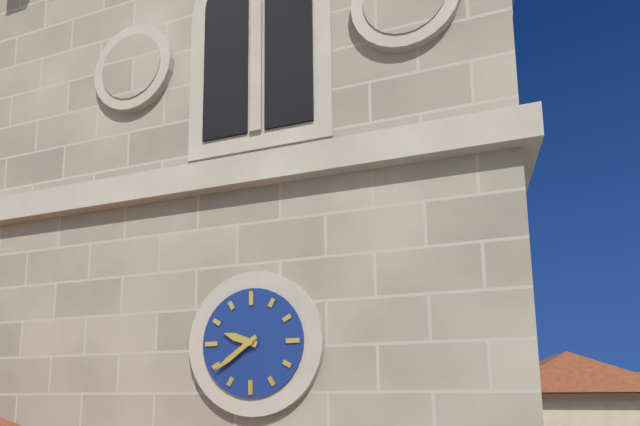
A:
9.39
